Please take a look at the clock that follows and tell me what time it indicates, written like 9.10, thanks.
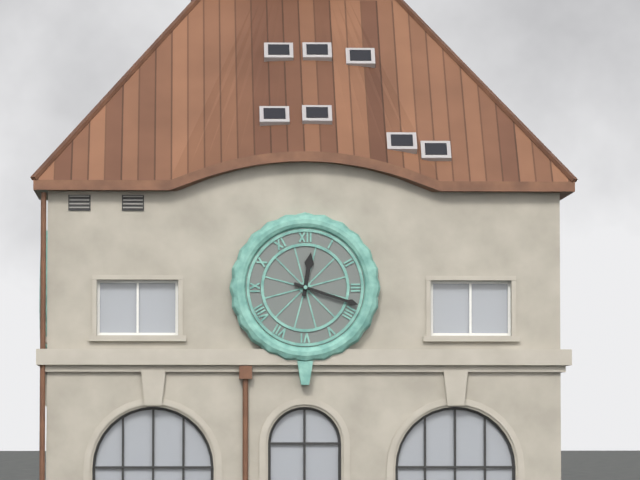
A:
12.18
